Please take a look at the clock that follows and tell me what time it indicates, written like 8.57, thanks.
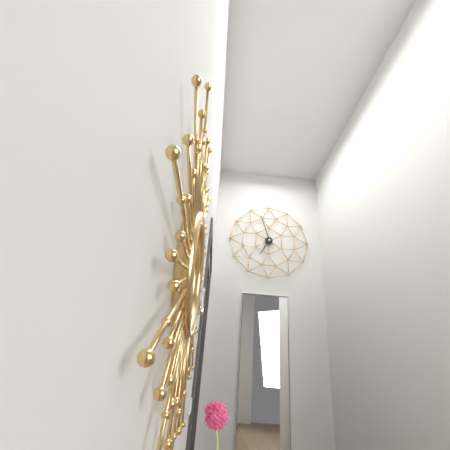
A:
6.57
